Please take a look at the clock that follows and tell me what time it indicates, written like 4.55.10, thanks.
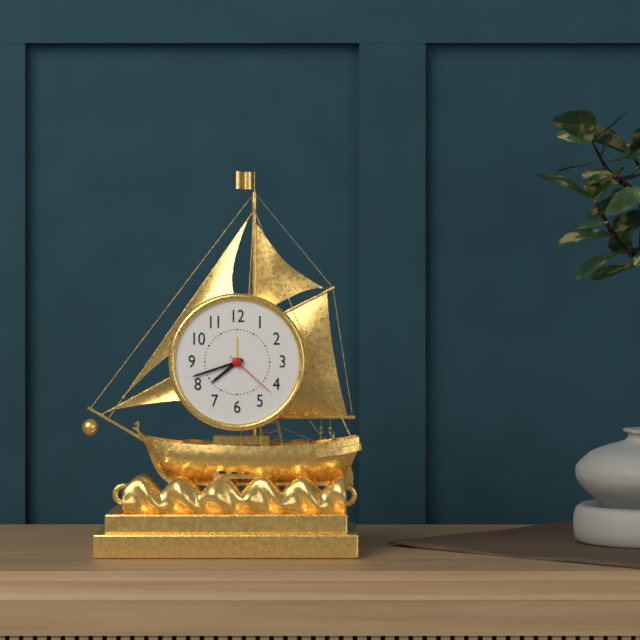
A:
7.42.22
